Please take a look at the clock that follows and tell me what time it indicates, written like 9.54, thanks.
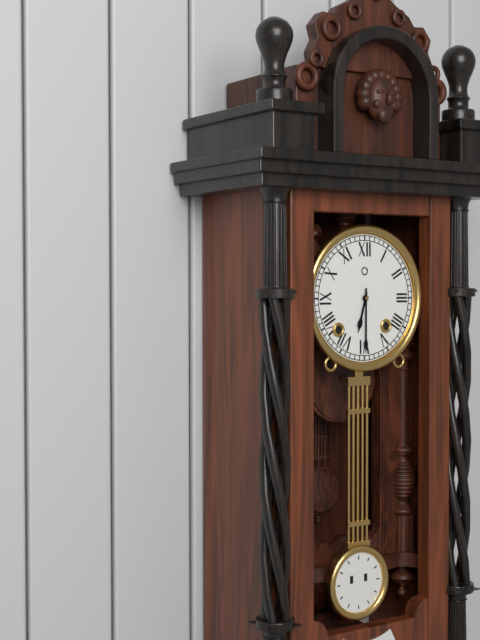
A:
6.30
